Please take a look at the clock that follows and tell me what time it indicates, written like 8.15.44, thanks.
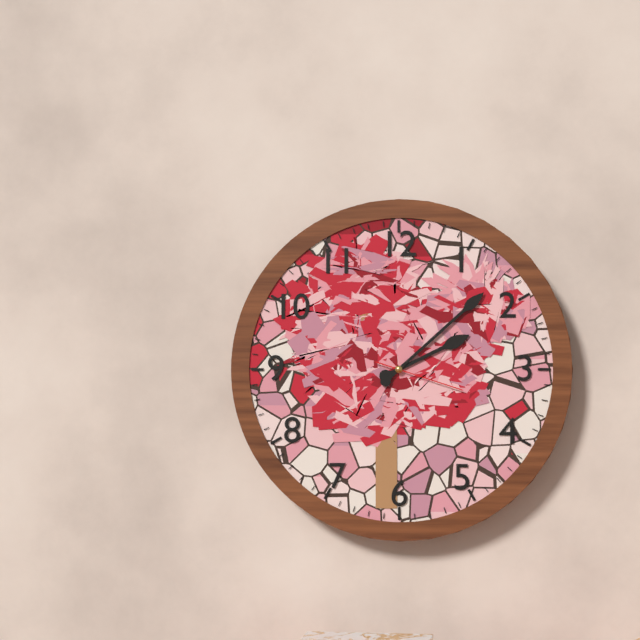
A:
2.08.18
